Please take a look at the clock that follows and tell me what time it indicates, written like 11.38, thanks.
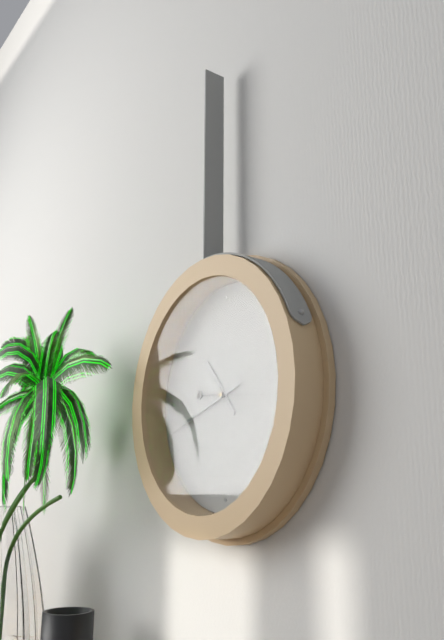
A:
10.42
